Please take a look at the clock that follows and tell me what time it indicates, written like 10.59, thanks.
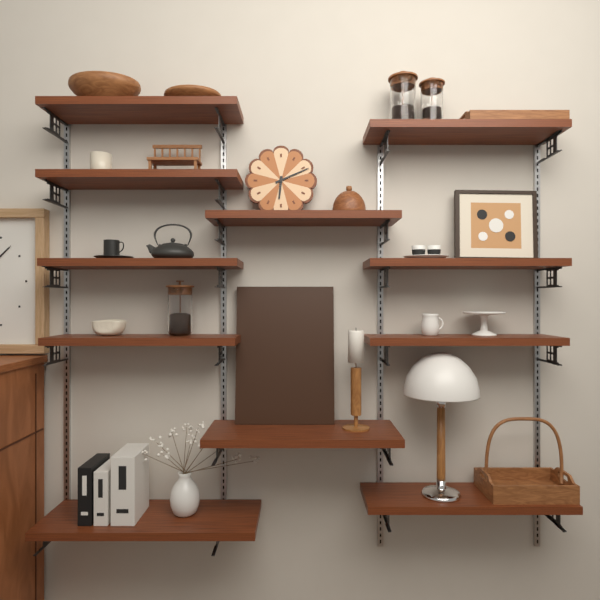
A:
6.11
